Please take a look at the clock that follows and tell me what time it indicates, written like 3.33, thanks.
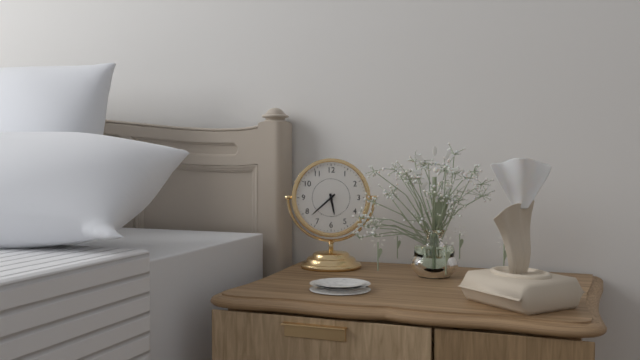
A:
5.38
